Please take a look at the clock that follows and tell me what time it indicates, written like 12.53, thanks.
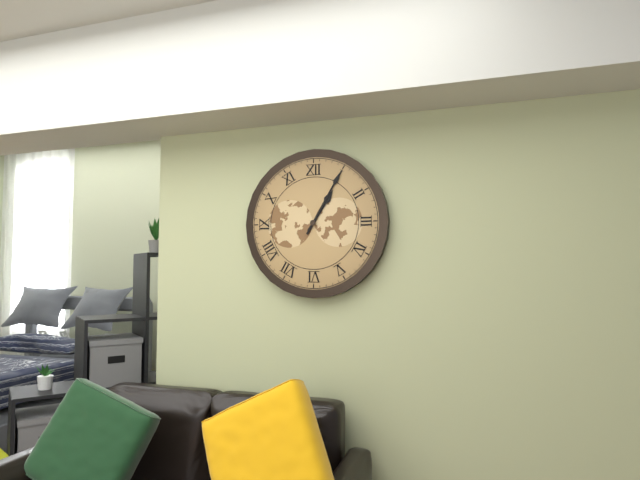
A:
1.05
